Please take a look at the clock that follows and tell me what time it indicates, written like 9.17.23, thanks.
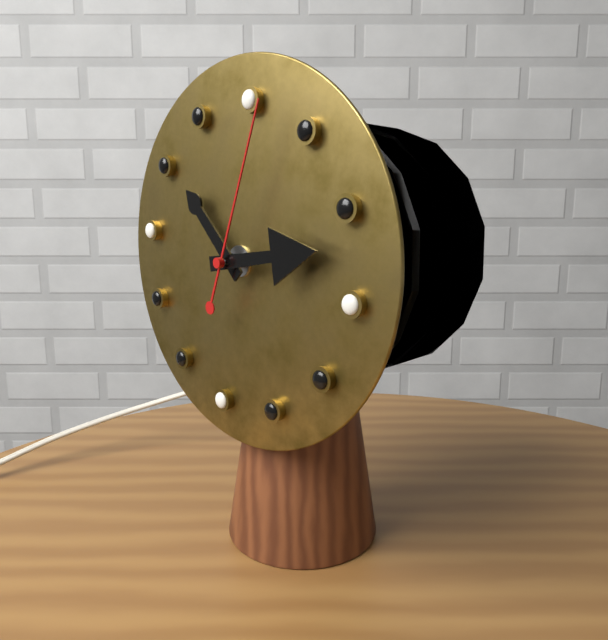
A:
10.12.02
